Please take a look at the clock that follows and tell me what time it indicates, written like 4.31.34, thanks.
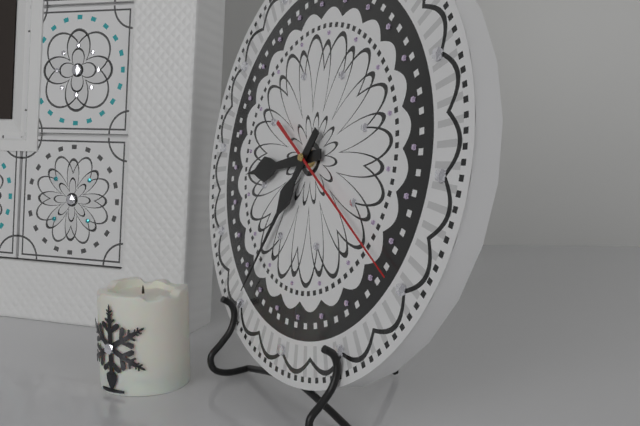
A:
8.35.20
